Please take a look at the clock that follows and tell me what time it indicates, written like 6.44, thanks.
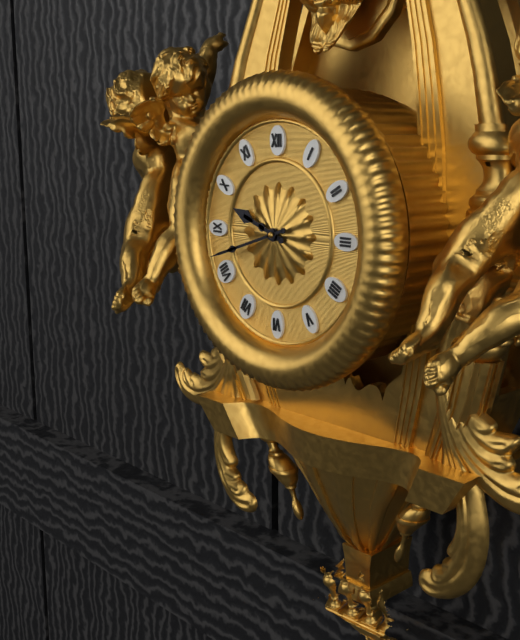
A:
9.42
